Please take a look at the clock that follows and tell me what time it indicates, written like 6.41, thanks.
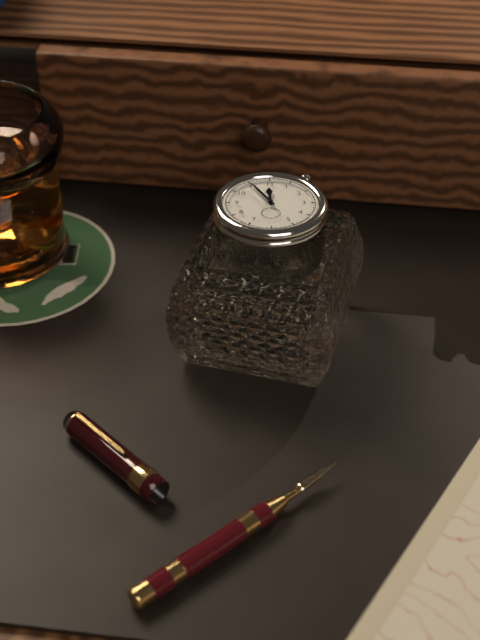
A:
11.55
